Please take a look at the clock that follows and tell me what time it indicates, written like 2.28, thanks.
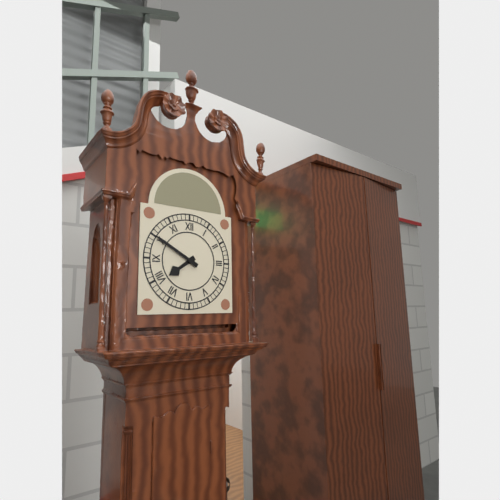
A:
7.50
